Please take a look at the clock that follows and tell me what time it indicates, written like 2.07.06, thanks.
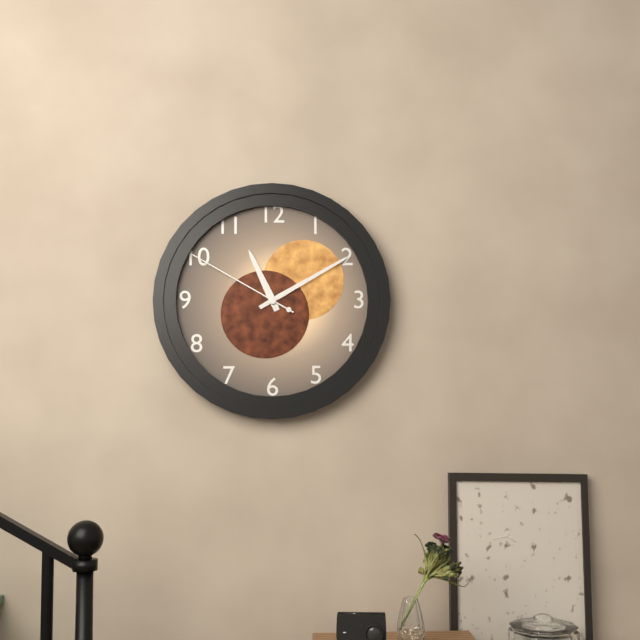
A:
11.10.50
